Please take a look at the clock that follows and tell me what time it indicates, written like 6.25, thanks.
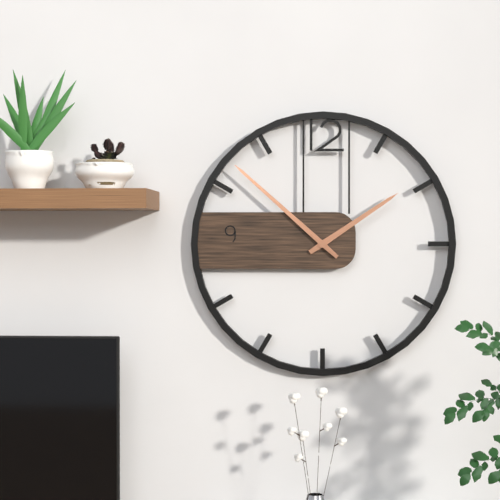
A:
1.52
